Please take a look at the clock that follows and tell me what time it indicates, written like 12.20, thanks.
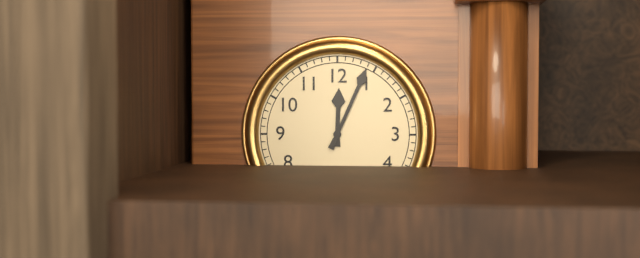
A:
12.04
